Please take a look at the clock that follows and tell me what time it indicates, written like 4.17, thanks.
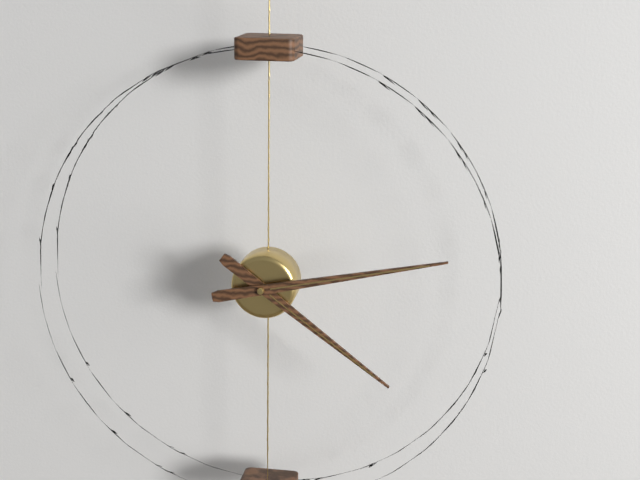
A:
4.13
